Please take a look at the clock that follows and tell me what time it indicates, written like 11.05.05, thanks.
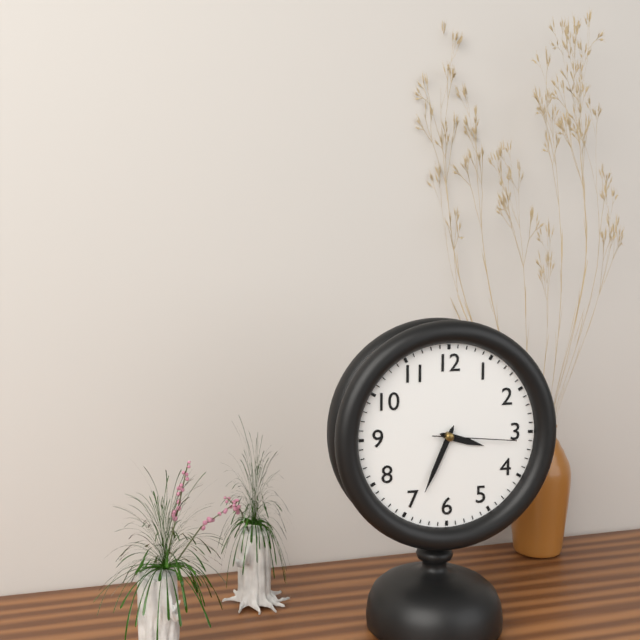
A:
3.34.16
